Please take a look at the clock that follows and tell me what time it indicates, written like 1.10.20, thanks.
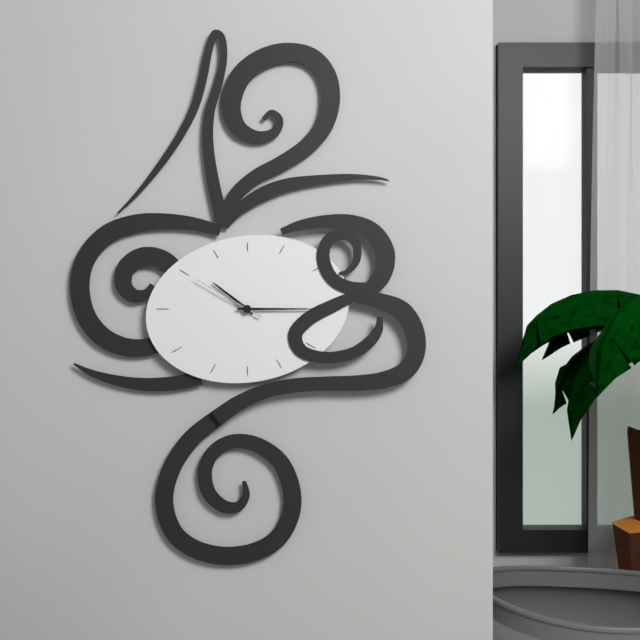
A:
10.15.50
